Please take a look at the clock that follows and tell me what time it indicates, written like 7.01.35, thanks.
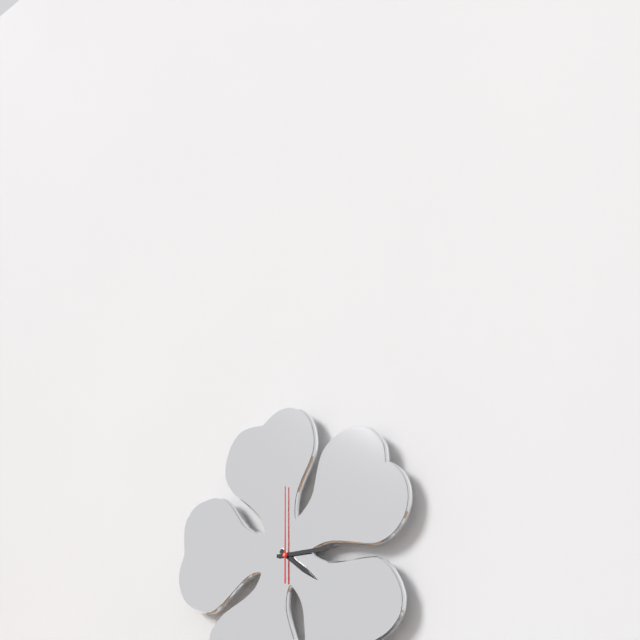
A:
4.15.00
